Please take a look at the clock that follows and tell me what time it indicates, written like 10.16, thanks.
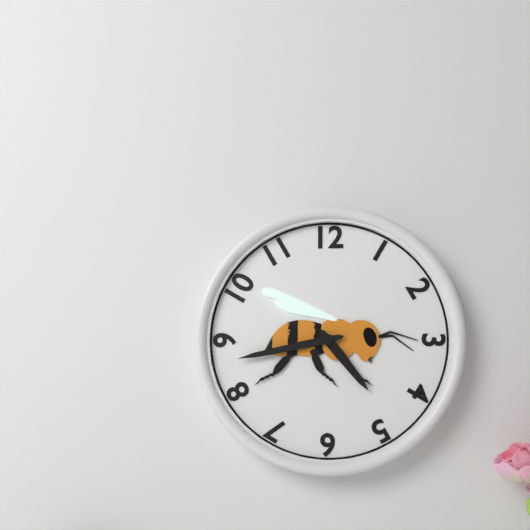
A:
4.43
